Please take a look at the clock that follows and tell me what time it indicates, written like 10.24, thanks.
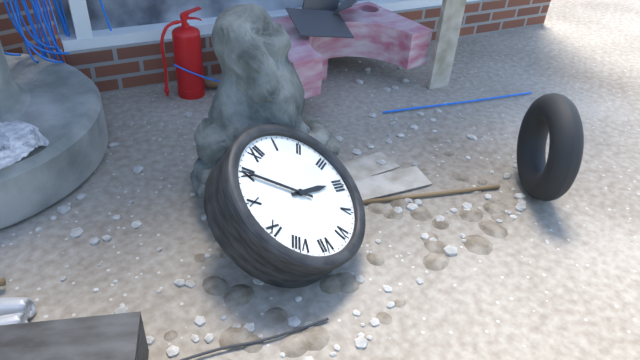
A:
3.55
